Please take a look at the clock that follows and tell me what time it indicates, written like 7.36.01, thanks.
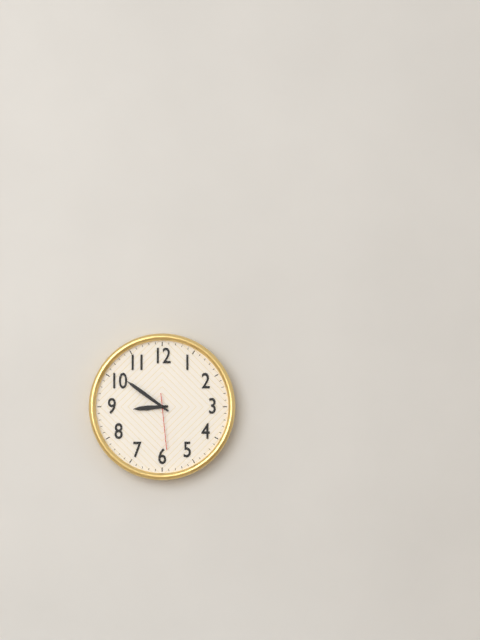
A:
8.51.29
